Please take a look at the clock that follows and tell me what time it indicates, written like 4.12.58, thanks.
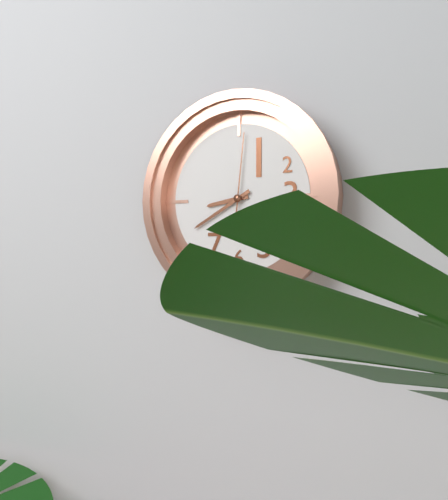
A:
8.40.01
